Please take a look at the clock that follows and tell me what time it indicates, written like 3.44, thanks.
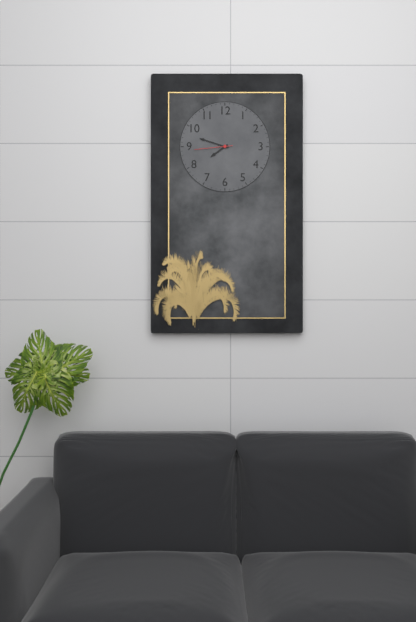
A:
7.48
